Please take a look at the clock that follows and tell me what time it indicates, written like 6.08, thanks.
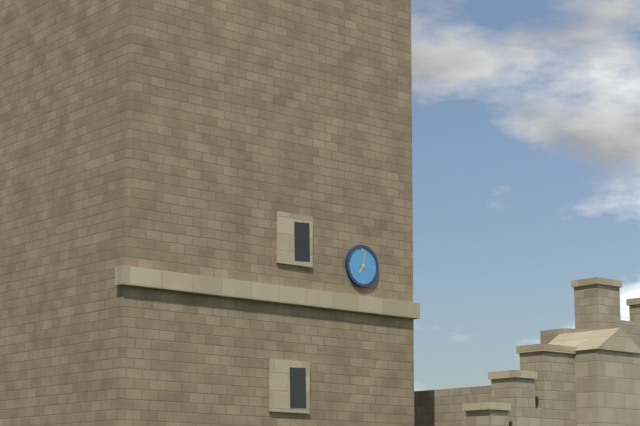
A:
7.02
